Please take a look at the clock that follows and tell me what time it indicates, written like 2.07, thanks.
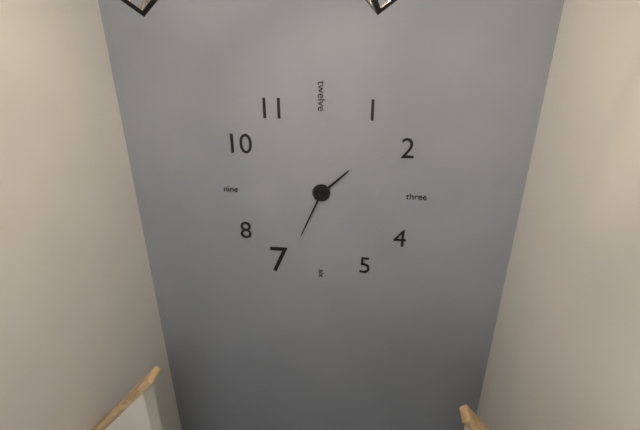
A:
1.34
